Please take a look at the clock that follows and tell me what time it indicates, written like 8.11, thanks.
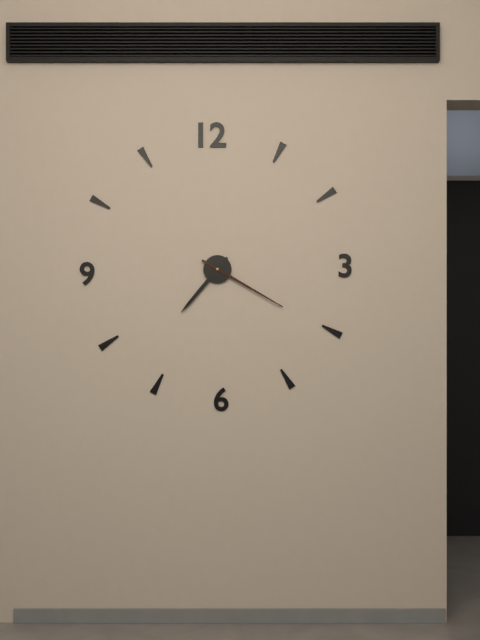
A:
7.20
